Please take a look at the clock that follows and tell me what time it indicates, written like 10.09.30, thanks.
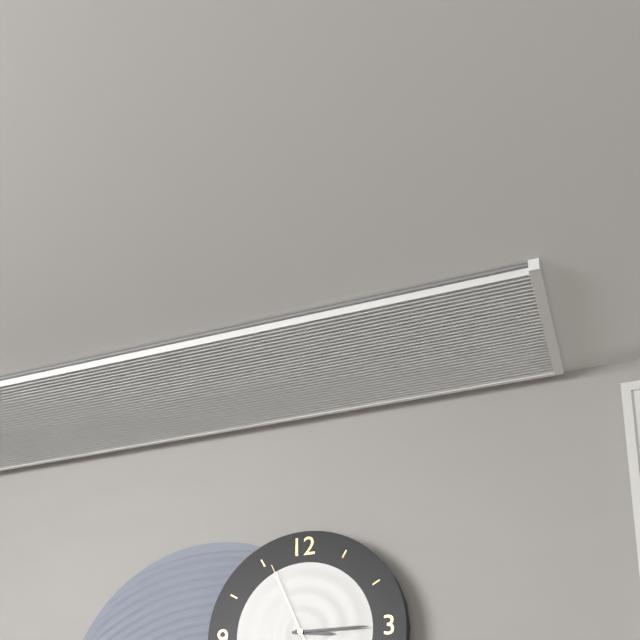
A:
3.15.56
